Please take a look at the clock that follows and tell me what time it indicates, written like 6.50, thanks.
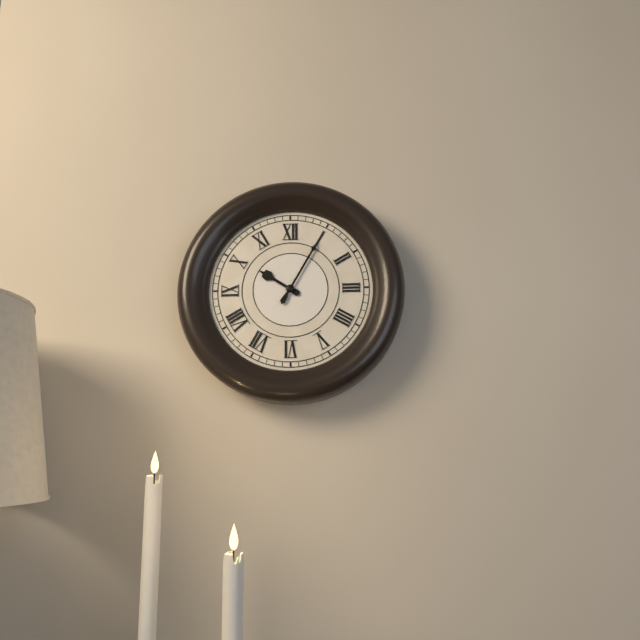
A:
10.05
